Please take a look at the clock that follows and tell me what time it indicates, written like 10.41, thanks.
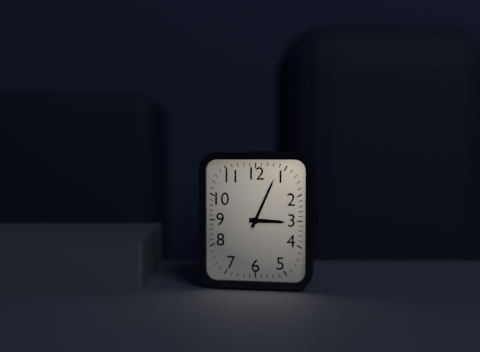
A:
3.04
